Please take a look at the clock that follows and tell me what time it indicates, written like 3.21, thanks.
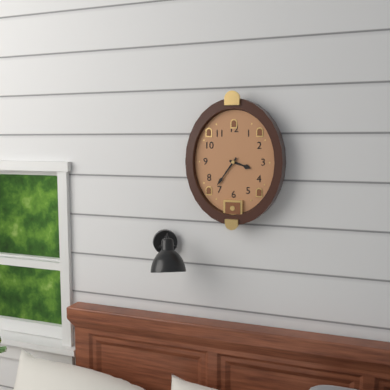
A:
3.36
